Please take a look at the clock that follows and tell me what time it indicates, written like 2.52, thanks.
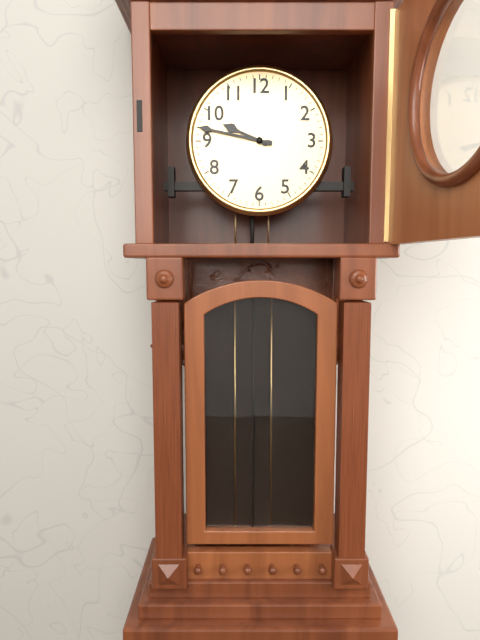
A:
9.47
